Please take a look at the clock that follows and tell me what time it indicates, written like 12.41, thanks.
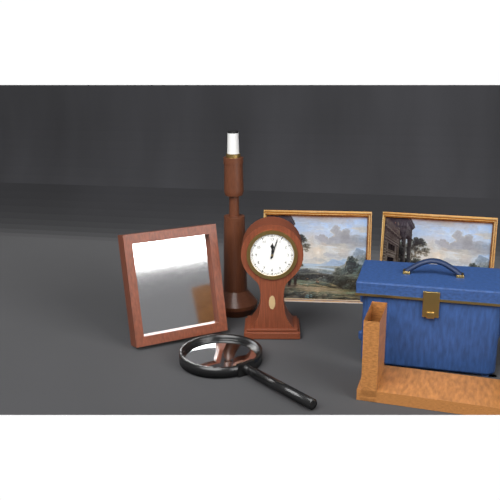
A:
12.03
